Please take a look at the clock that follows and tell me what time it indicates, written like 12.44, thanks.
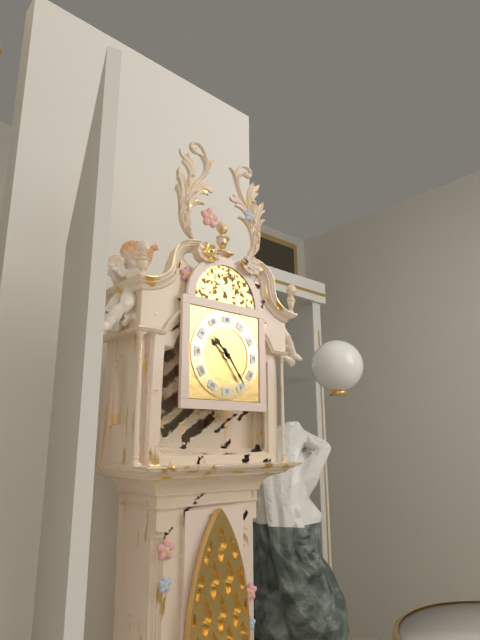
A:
10.24
